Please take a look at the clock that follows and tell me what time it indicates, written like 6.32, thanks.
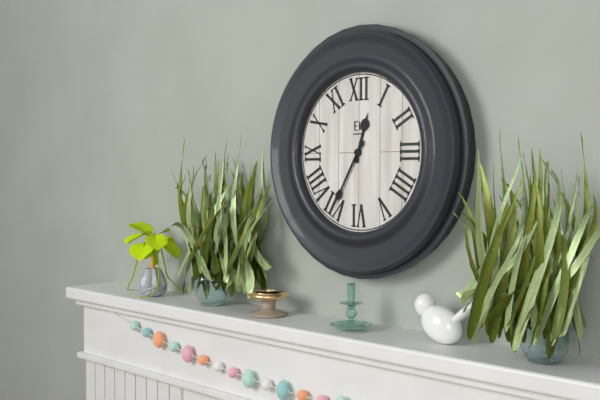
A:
12.35
